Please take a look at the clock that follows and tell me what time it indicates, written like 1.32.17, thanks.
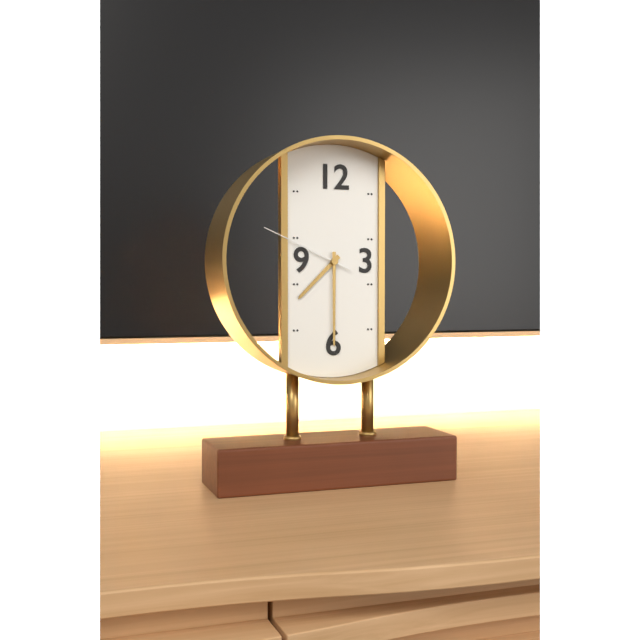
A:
7.30.49
